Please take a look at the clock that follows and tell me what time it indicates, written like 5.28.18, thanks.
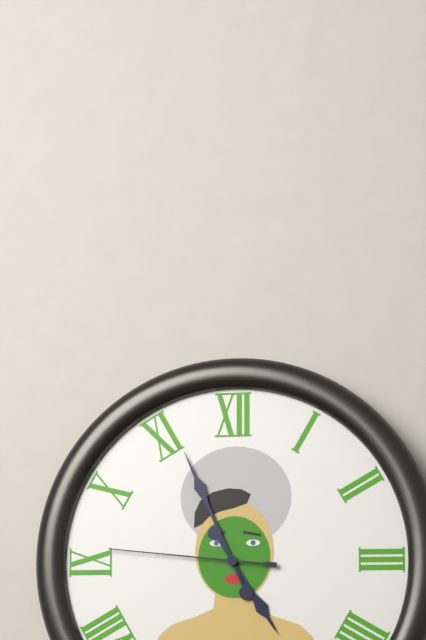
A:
4.56.46
